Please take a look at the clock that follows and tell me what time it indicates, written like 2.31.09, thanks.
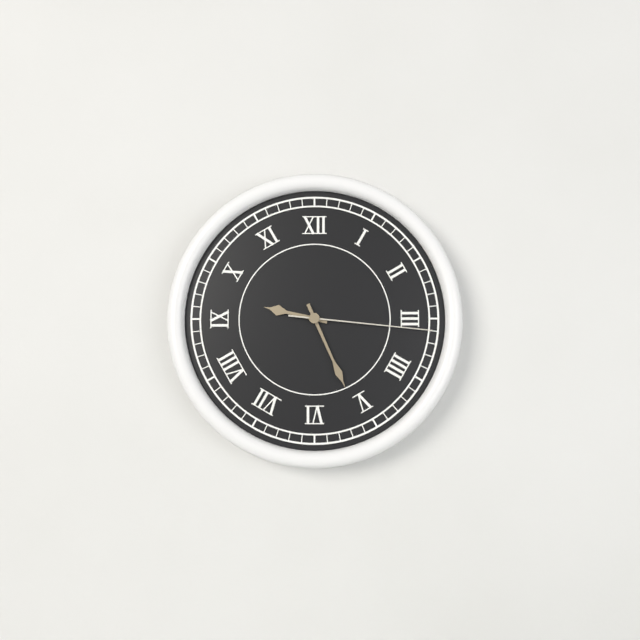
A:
9.26.16
